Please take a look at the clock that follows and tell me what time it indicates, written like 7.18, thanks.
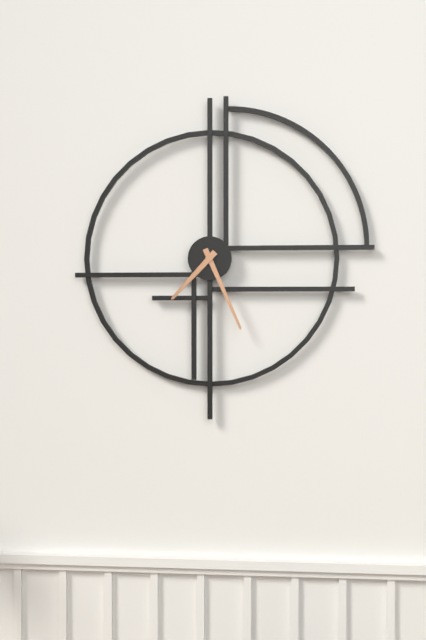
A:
7.26
